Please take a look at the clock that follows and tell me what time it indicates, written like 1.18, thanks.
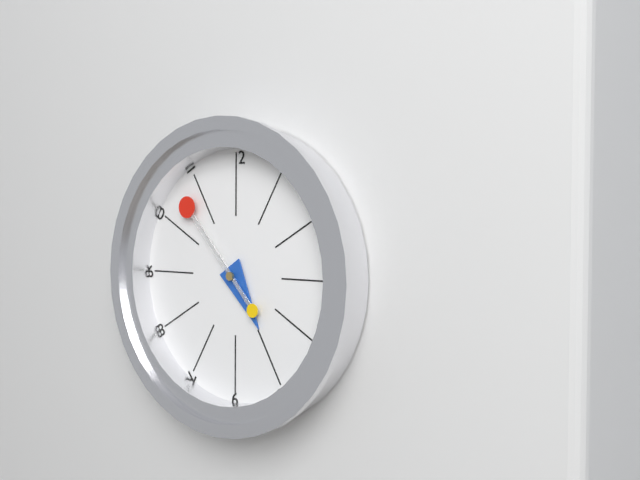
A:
4.53
